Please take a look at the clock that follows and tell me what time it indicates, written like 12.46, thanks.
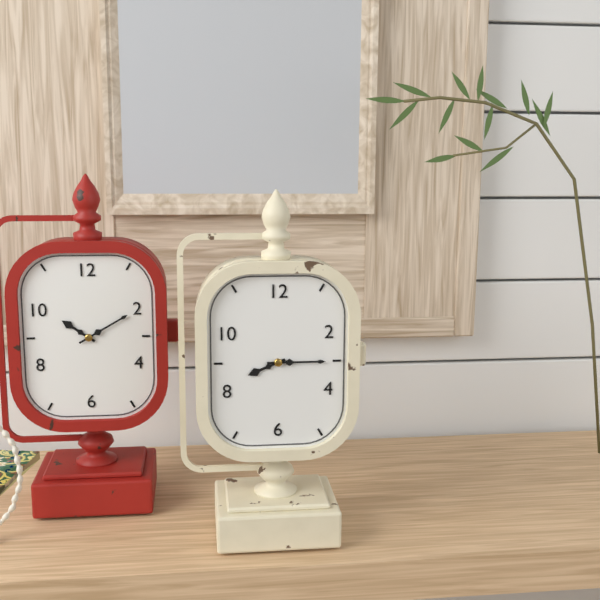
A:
8.15
